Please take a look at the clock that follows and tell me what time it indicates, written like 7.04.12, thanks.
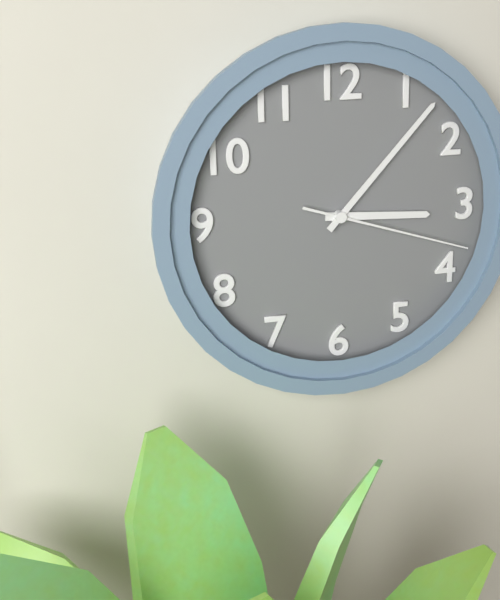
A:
3.07.18
